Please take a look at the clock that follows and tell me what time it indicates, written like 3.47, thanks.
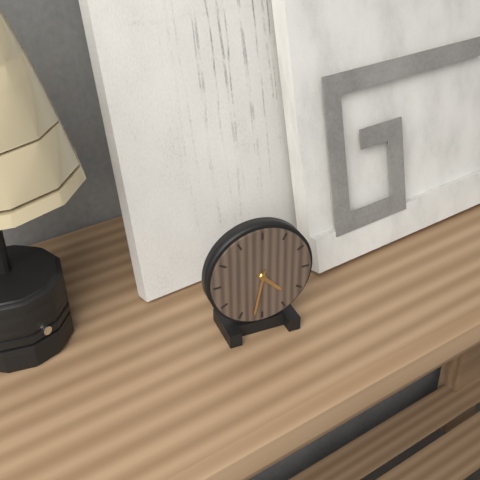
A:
4.32
